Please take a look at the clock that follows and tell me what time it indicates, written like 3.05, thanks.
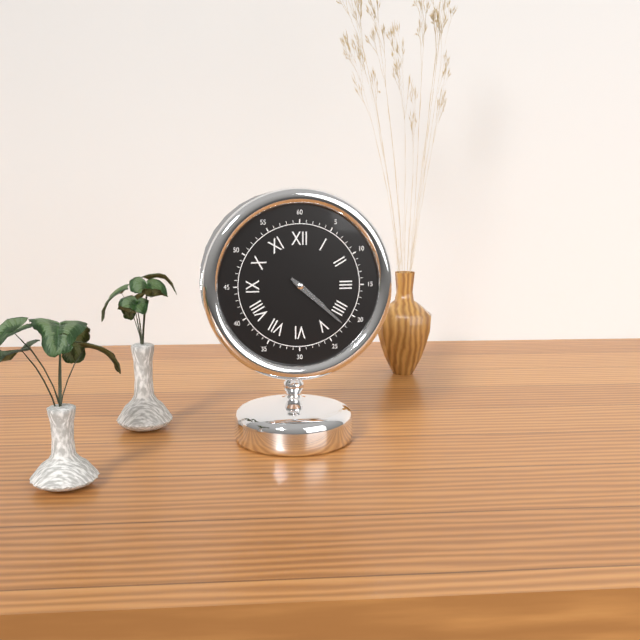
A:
4.22
